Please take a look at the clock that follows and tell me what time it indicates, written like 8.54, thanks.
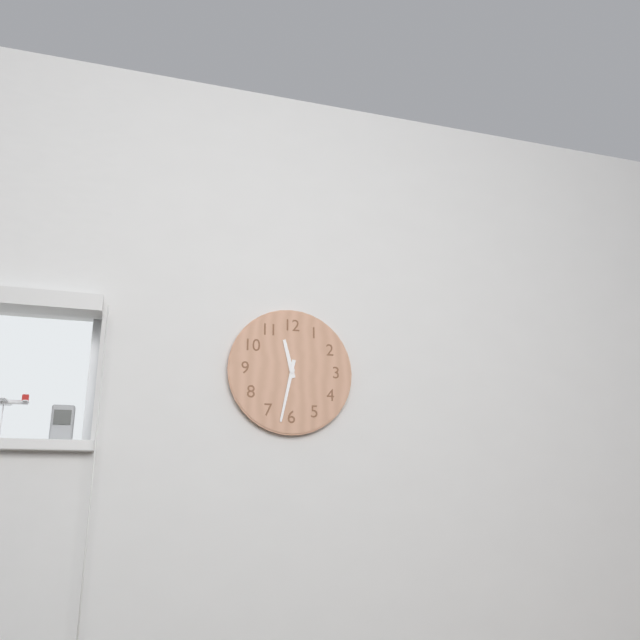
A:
11.32
